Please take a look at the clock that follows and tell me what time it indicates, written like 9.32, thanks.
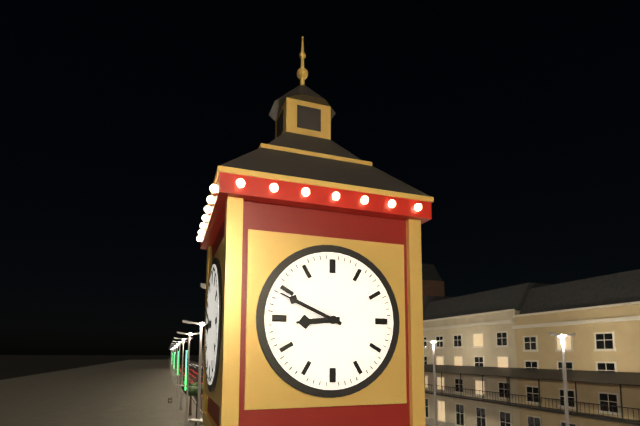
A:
8.49
